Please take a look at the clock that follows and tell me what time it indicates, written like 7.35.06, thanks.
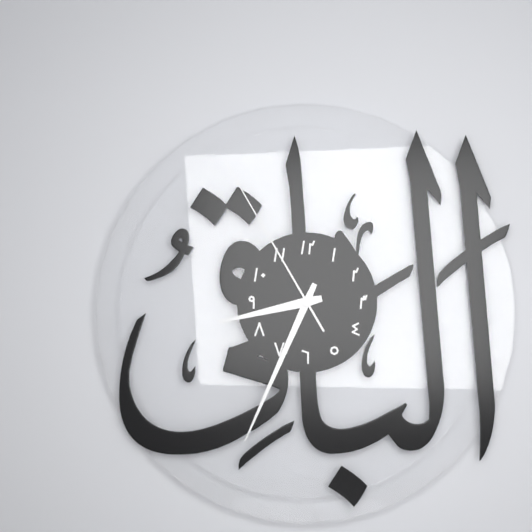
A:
8.34.55
